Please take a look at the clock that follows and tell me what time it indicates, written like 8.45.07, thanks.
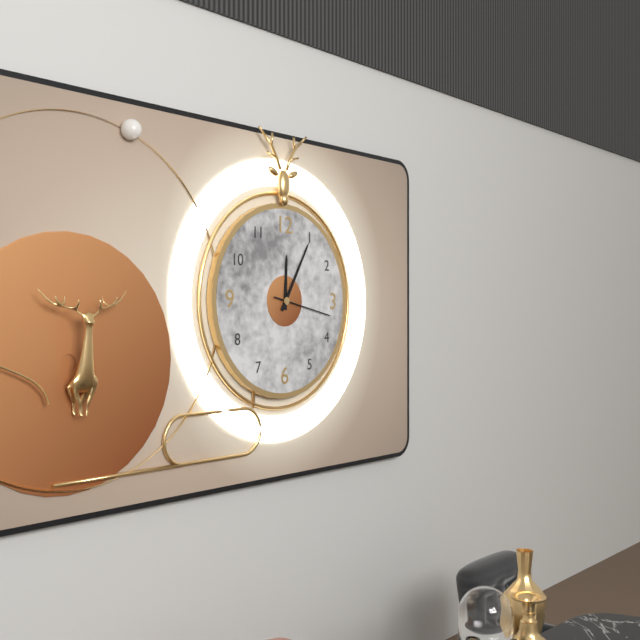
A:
12.05.17
